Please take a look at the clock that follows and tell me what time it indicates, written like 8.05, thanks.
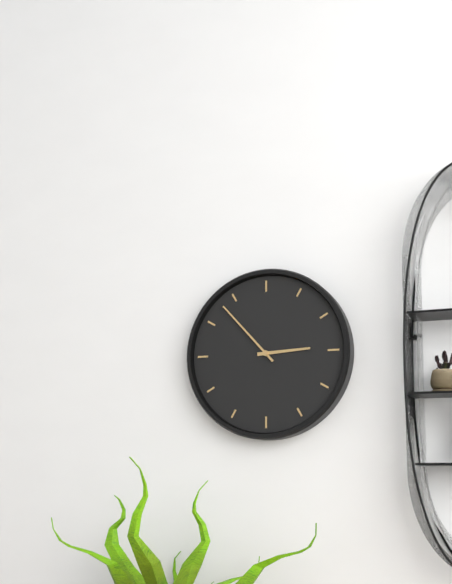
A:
2.53
